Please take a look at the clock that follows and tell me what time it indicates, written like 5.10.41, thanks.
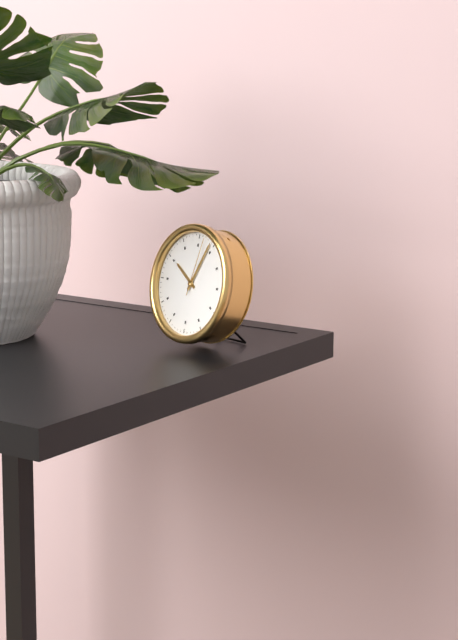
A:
10.04.02
